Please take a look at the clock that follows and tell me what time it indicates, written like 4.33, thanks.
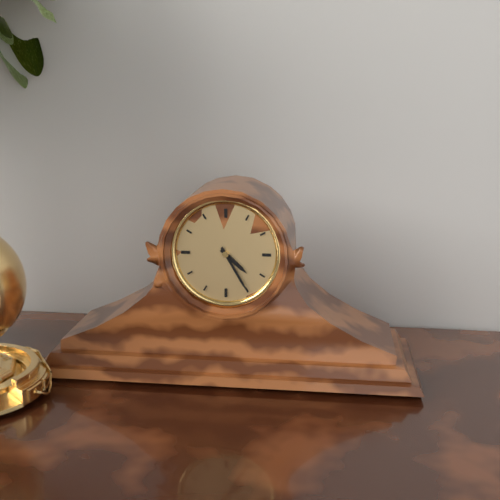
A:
4.25
